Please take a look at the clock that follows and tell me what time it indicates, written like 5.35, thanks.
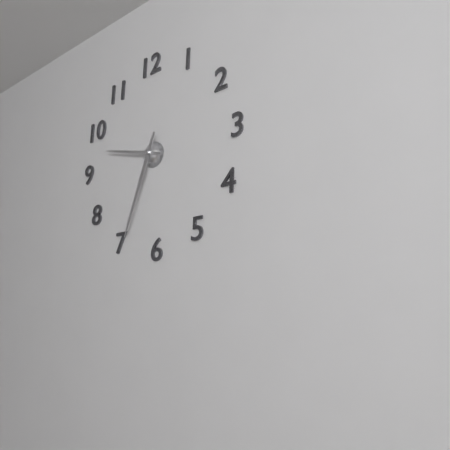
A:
9.34
